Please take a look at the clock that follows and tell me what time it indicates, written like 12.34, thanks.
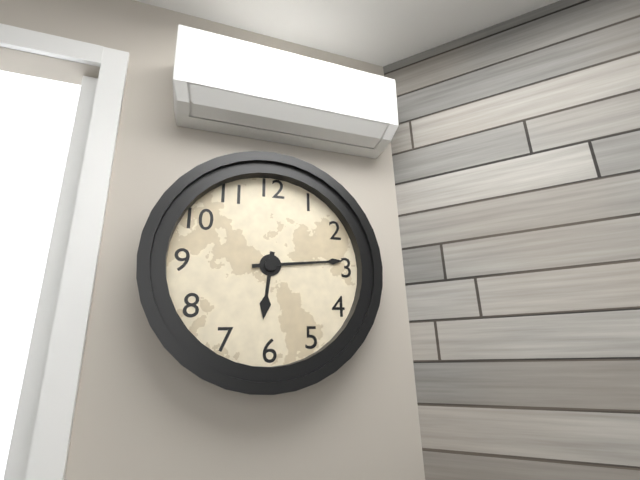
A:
6.14
